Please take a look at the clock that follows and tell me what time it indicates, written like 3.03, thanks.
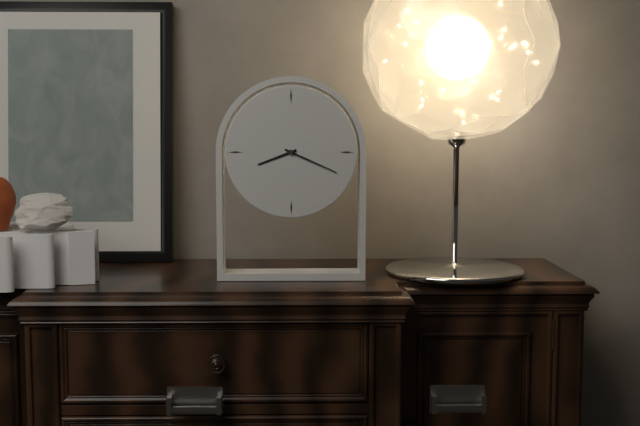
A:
8.19
